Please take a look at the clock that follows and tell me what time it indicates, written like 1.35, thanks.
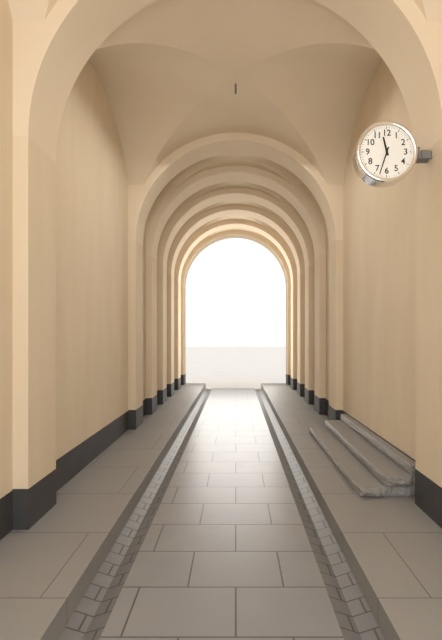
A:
11.33
